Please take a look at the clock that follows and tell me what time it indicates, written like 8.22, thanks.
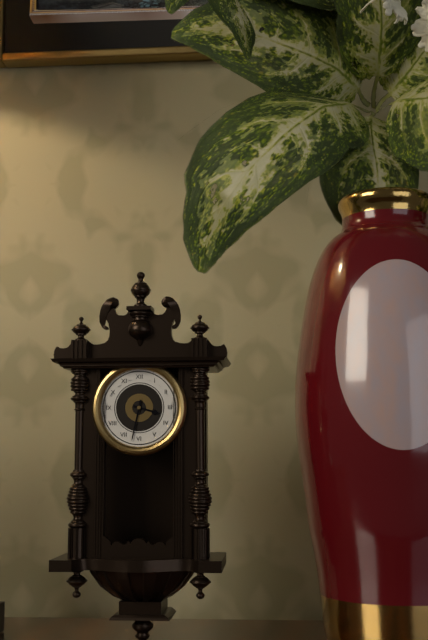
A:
3.32
